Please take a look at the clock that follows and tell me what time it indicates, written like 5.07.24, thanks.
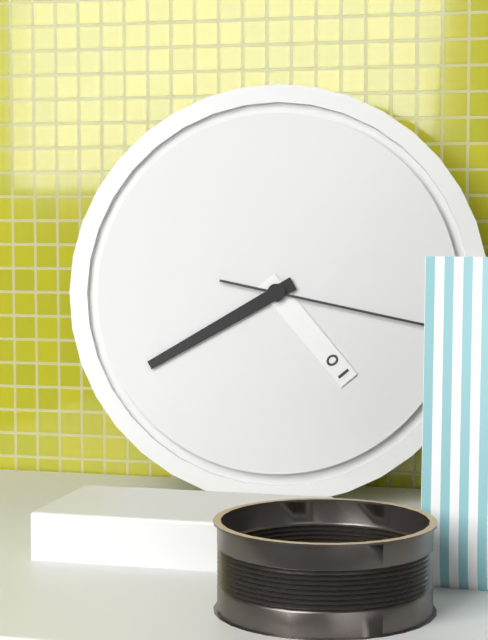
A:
4.40.17
